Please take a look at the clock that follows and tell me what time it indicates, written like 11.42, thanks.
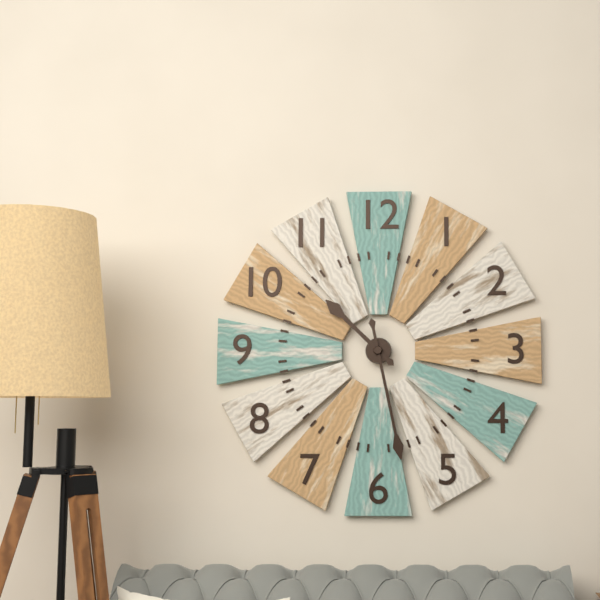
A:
10.28
